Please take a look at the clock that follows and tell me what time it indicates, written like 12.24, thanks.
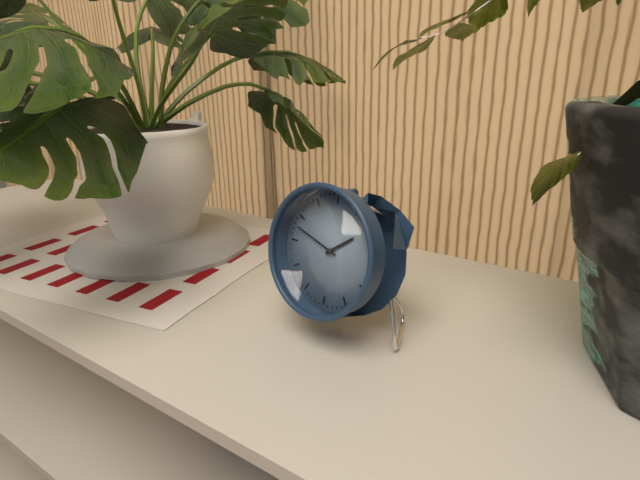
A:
1.48
